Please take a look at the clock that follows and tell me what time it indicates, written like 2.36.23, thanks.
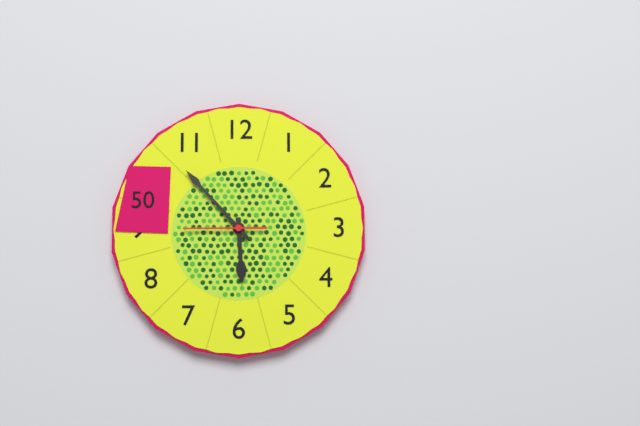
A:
5.53.45
